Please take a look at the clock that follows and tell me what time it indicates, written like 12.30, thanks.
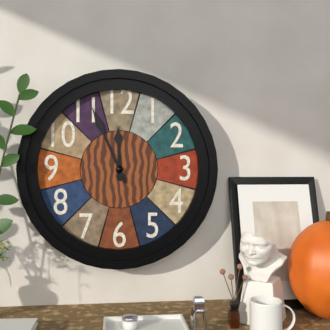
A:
11.56
